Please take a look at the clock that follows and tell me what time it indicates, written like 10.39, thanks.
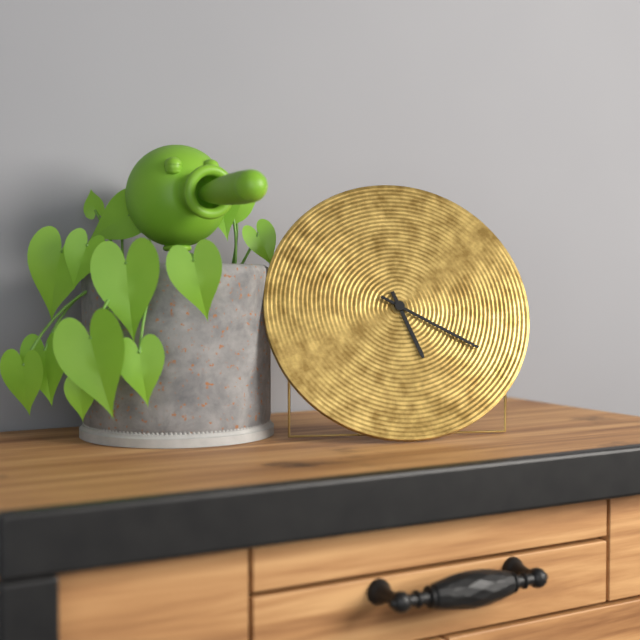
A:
5.20
